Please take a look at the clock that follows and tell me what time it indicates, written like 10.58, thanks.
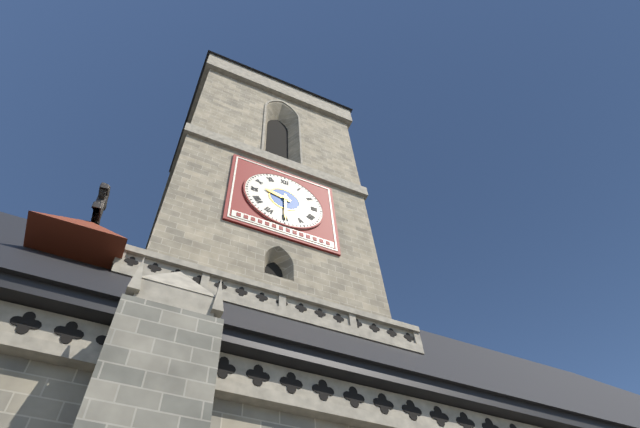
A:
9.30
